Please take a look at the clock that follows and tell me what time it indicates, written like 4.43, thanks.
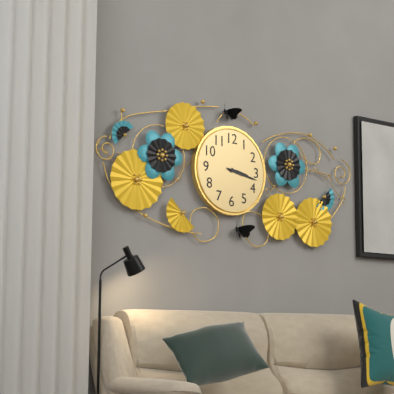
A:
3.17
